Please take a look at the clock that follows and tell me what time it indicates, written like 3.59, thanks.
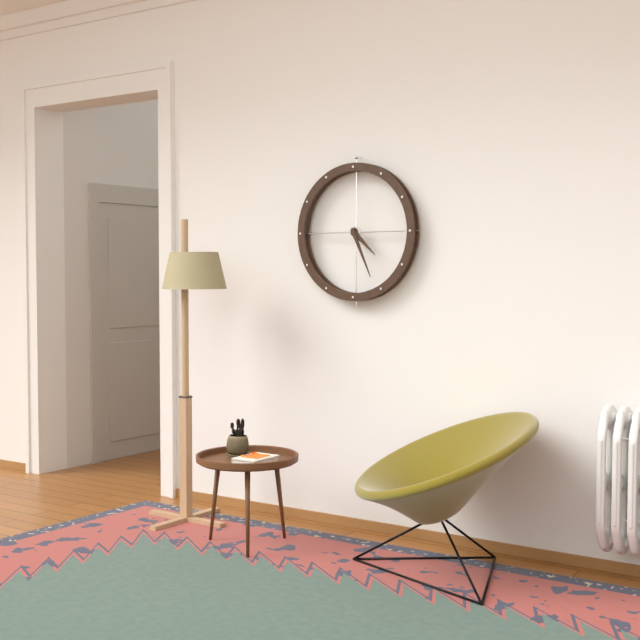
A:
4.26
